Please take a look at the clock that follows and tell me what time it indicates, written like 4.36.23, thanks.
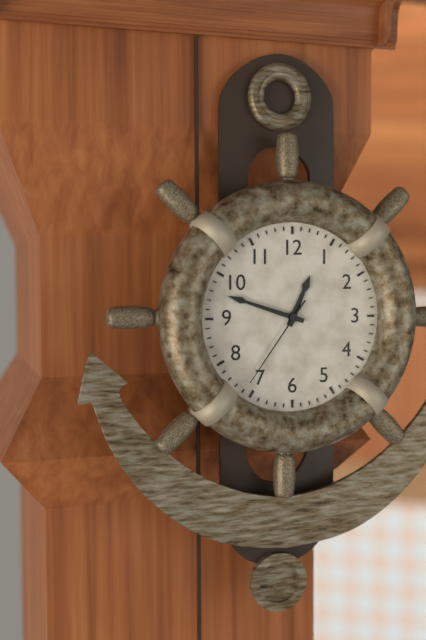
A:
12.48.36
